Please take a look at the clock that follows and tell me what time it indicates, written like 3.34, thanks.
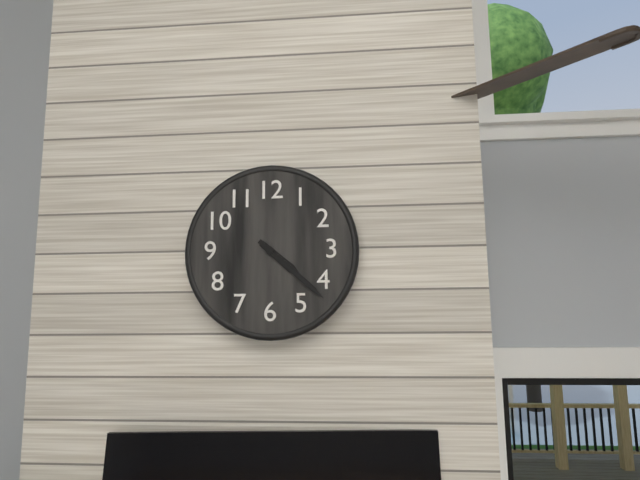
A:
4.22
